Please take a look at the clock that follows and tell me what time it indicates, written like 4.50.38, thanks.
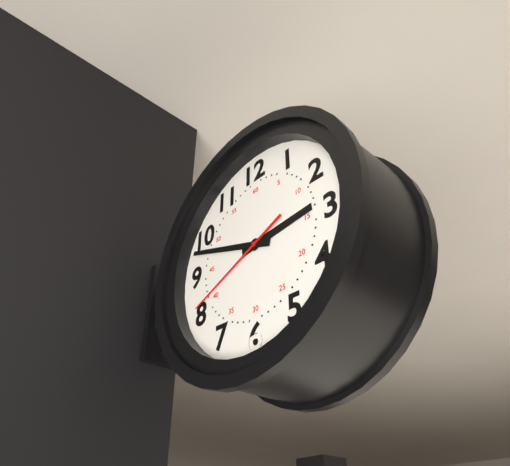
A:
2.48.41
